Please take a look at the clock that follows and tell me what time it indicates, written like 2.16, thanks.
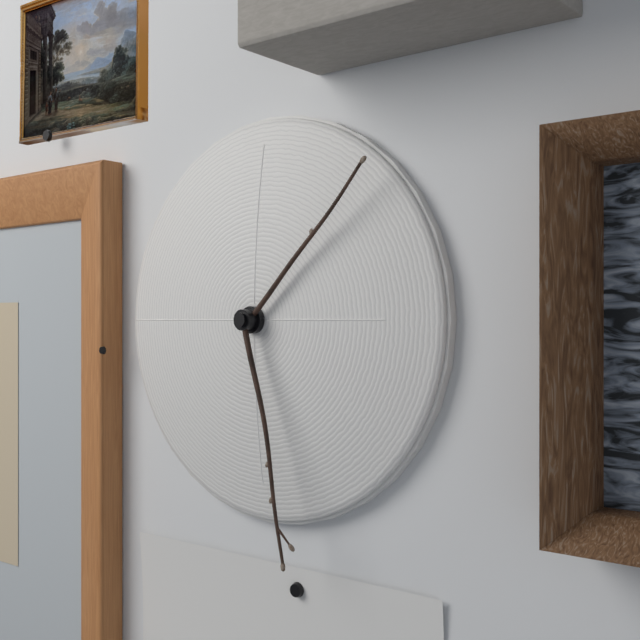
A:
1.28
